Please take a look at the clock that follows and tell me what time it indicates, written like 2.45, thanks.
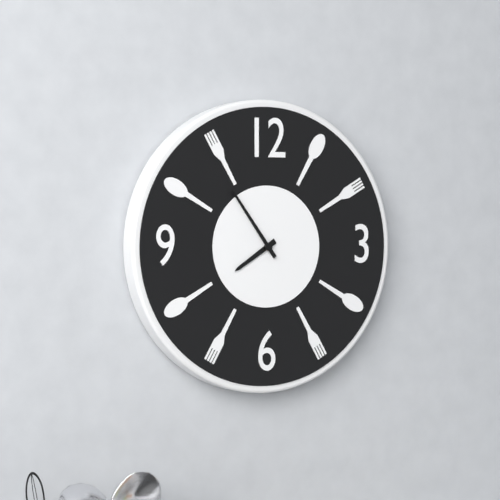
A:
7.54
